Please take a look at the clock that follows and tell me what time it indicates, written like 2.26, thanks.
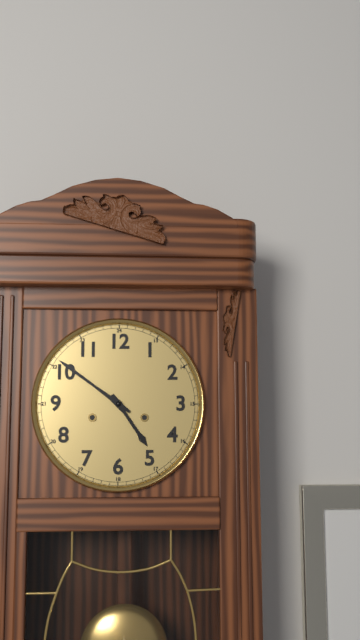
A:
4.51
